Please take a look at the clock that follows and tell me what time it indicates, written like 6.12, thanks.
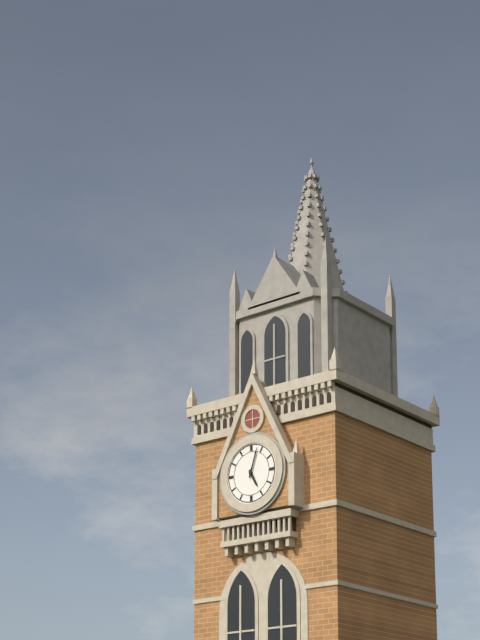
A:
5.03
